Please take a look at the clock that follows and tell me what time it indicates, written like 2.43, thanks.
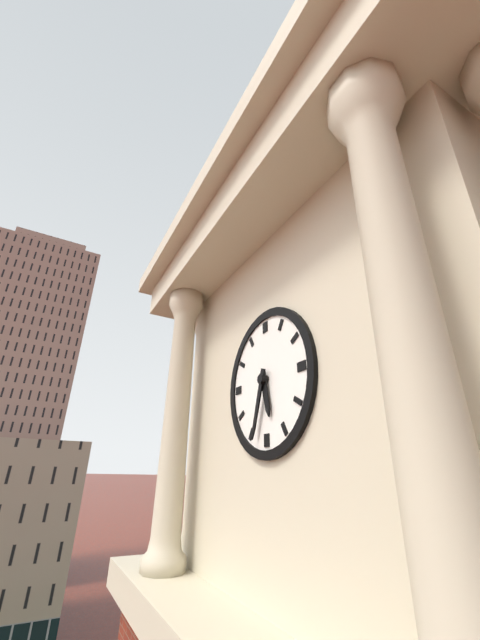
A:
5.33
